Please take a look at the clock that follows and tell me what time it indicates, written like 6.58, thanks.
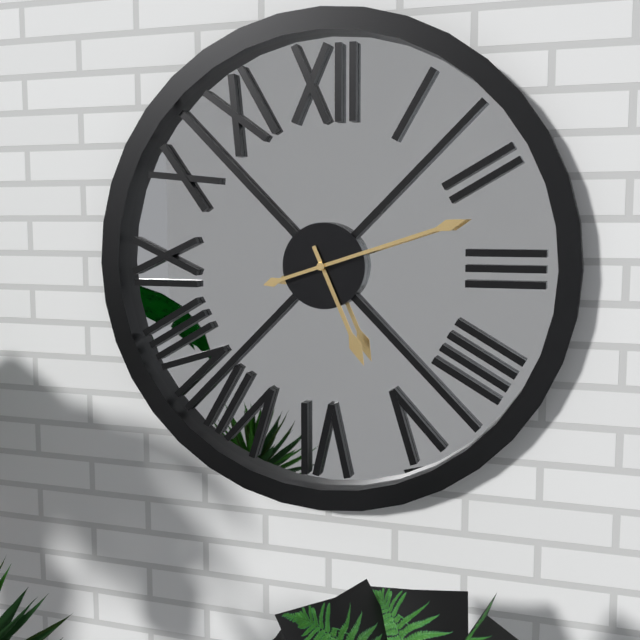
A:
5.12
